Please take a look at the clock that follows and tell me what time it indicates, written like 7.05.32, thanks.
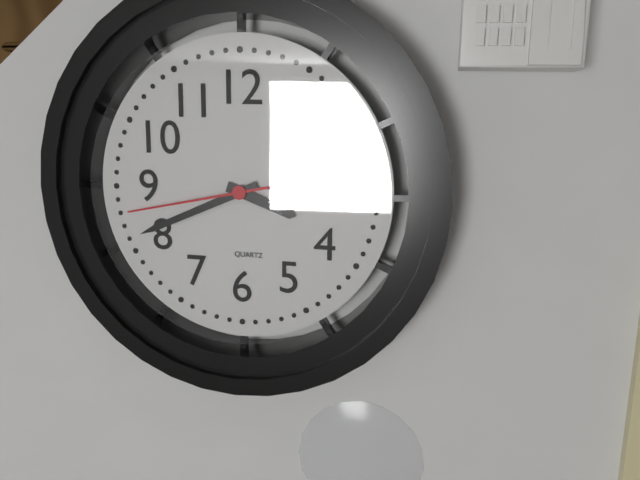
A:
3.41.43
